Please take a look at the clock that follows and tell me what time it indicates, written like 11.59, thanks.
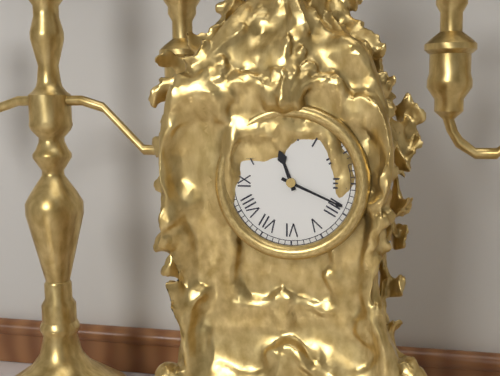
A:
11.19
